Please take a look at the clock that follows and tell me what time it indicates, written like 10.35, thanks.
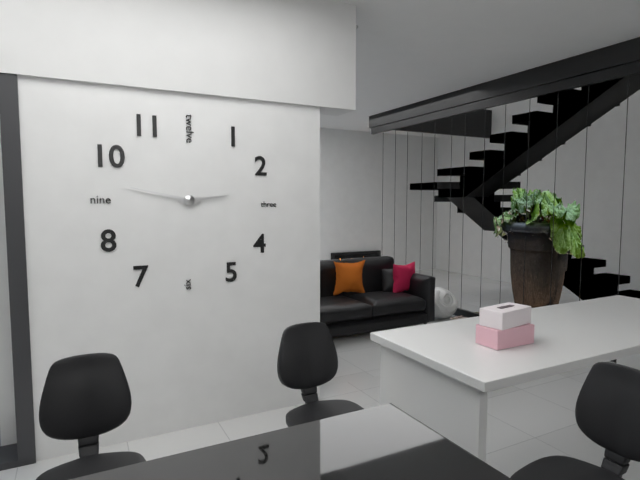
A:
2.47
